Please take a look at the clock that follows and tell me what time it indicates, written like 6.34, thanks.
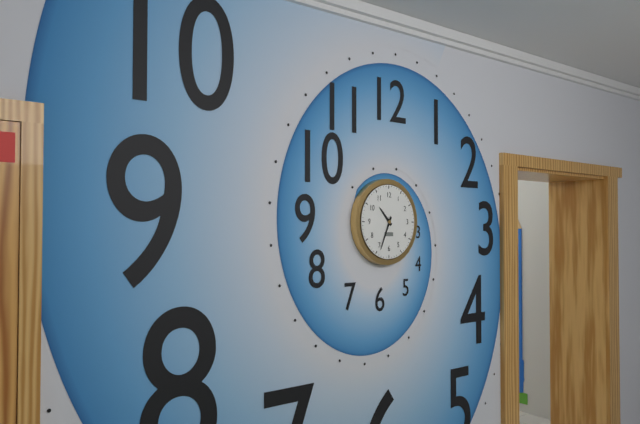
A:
10.34
